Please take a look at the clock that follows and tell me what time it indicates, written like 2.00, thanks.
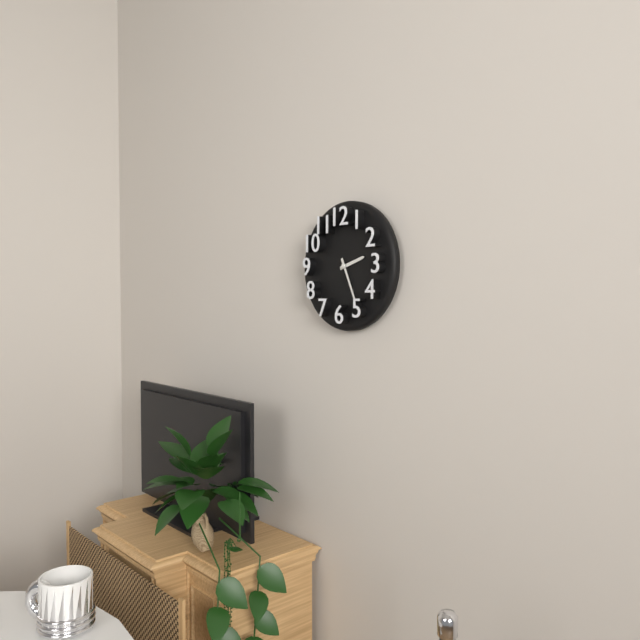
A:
2.26
